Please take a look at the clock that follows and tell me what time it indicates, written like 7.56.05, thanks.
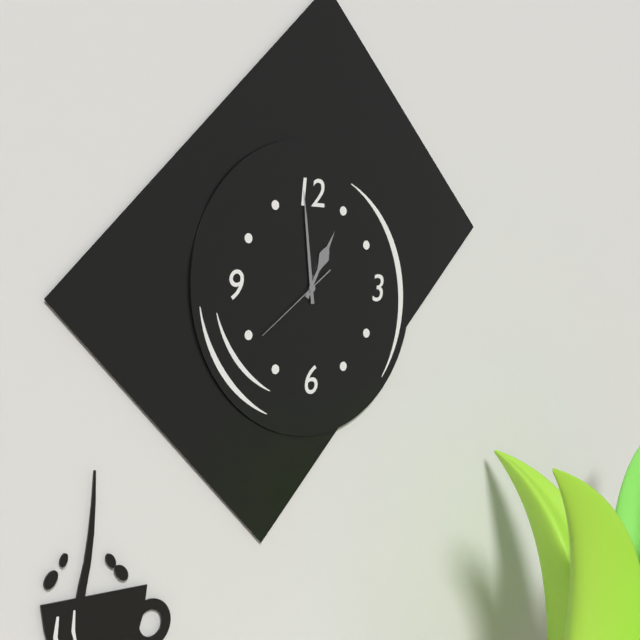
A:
12.59.39
